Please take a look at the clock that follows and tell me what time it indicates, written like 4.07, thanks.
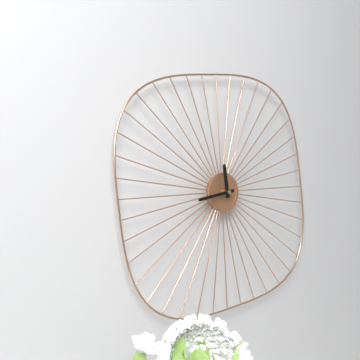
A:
11.43
